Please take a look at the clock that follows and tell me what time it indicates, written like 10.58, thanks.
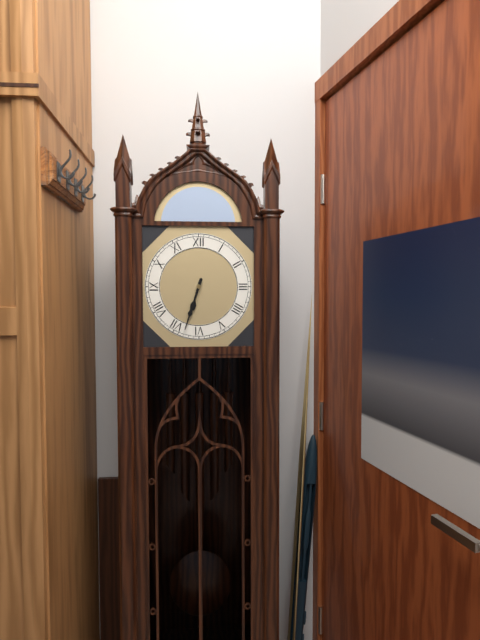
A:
6.33
